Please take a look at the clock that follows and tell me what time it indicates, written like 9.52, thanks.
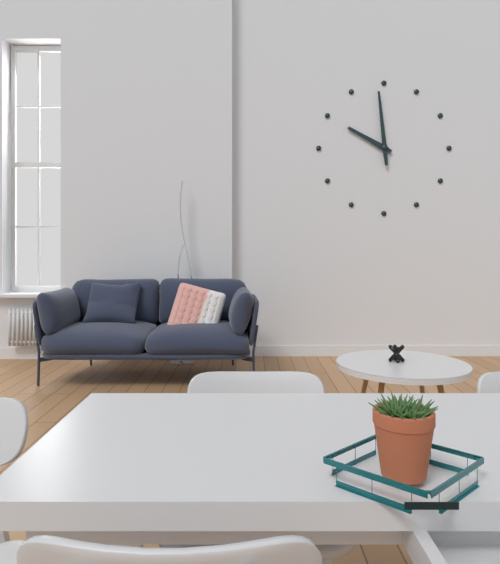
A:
9.59
